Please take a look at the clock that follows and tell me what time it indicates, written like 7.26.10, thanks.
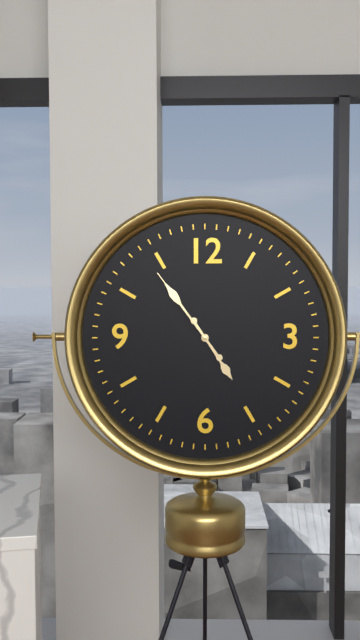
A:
4.54.54
